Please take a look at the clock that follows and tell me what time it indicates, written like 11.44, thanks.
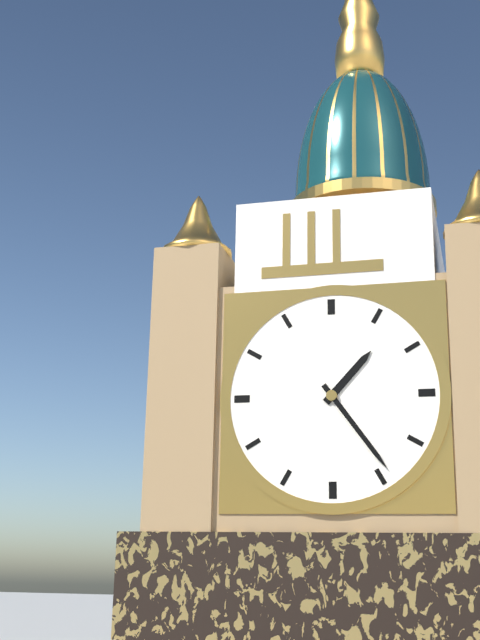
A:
1.24
